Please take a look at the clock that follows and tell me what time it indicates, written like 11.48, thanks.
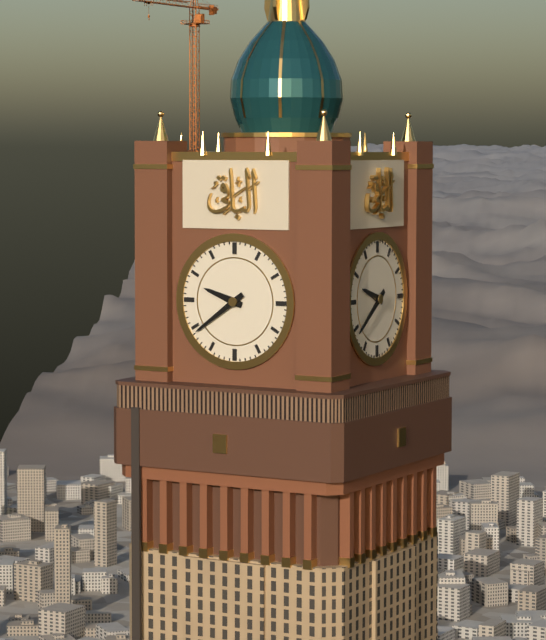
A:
9.39
